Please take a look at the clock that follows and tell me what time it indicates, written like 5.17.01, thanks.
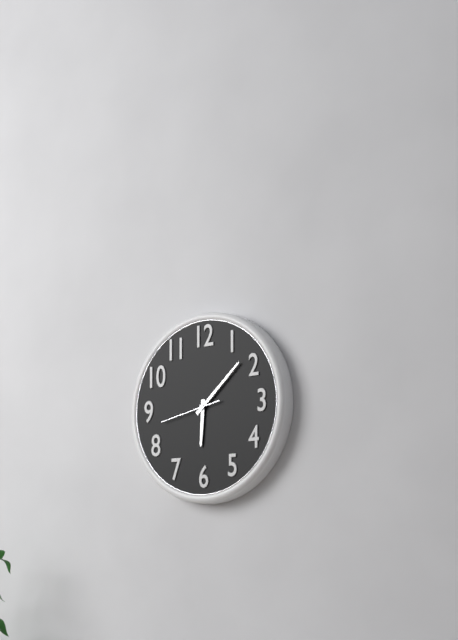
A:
6.08.43
